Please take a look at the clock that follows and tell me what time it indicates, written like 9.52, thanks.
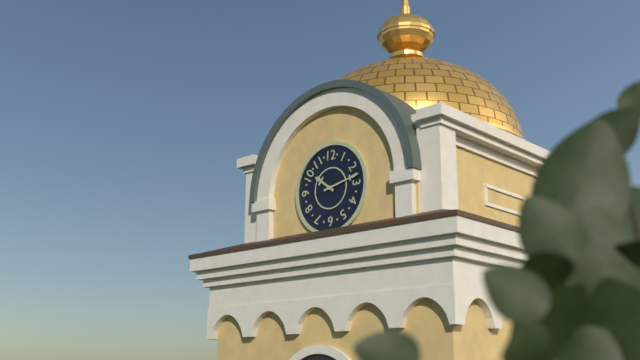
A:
10.13
